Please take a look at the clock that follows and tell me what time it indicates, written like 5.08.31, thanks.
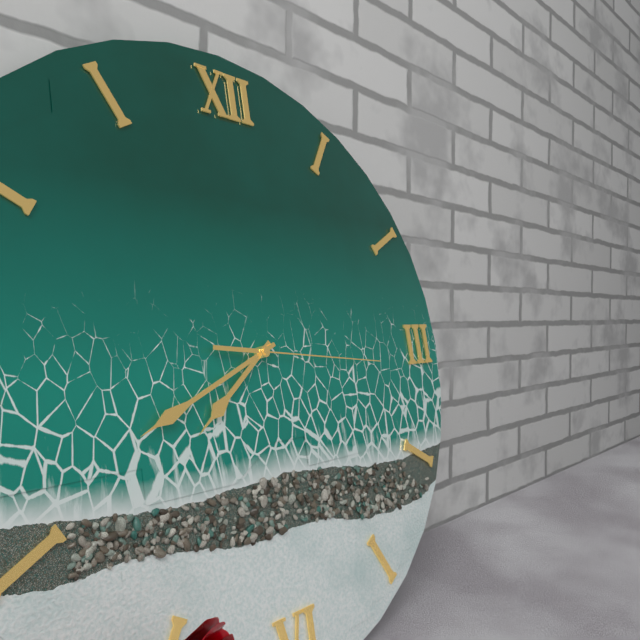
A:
7.41.16
